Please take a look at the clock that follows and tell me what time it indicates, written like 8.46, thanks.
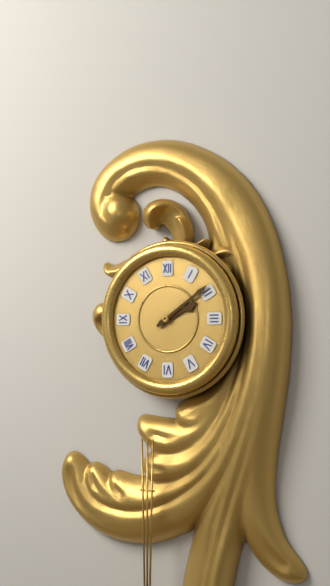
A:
2.09
